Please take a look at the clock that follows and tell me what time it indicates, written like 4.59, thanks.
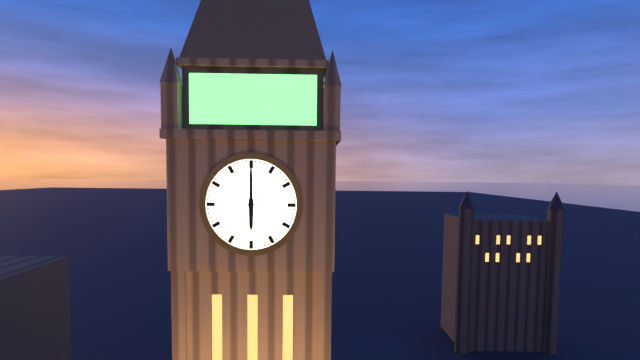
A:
6.00
